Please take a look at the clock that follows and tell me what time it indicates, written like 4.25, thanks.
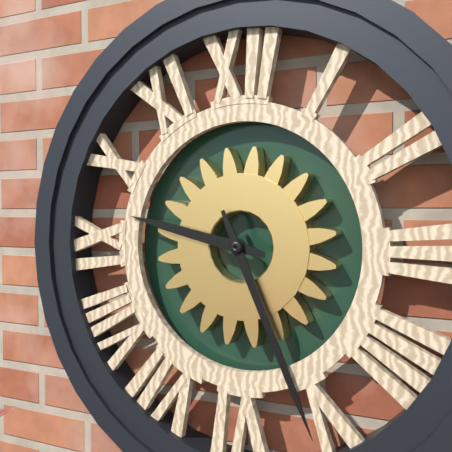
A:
9.26
